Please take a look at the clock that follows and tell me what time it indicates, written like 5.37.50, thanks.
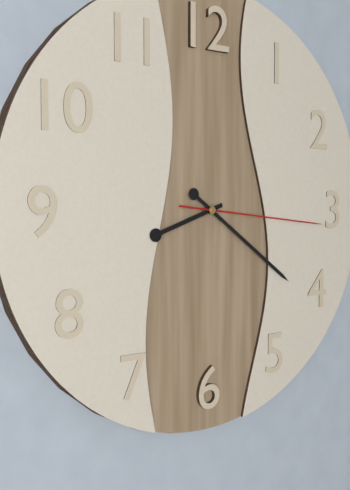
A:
8.21.16
